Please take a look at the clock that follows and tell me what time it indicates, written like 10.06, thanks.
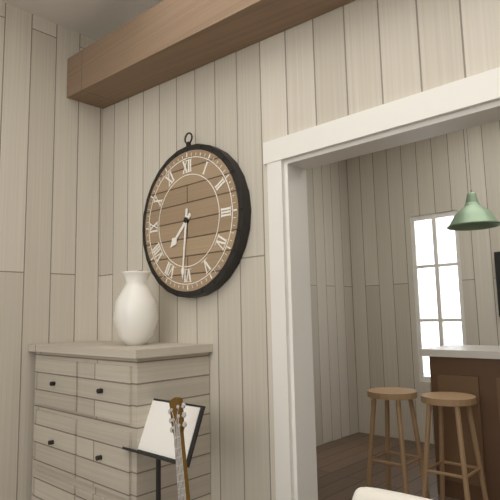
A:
7.31
